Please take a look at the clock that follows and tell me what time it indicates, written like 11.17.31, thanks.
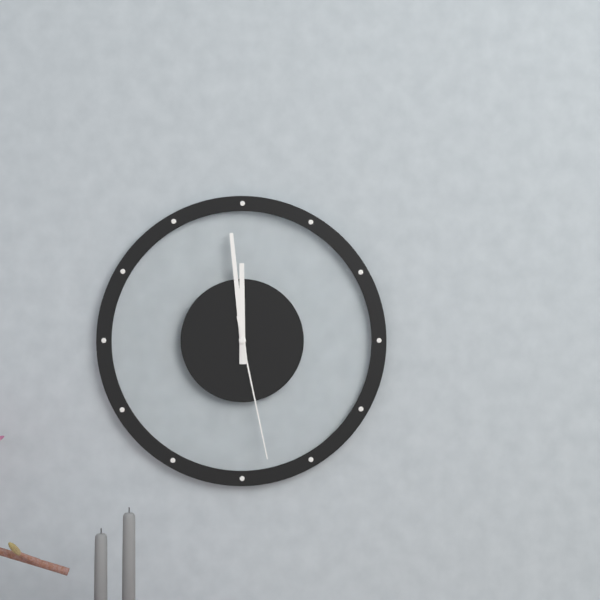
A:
11.59.28
